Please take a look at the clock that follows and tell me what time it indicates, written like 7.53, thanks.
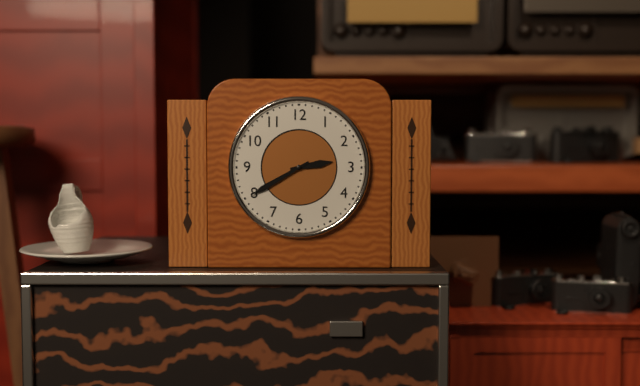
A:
2.40
